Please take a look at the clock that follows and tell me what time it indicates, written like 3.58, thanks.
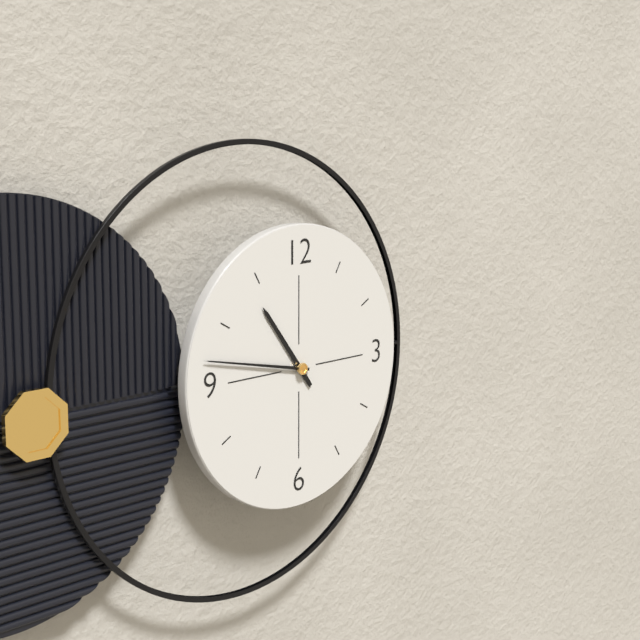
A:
10.47
